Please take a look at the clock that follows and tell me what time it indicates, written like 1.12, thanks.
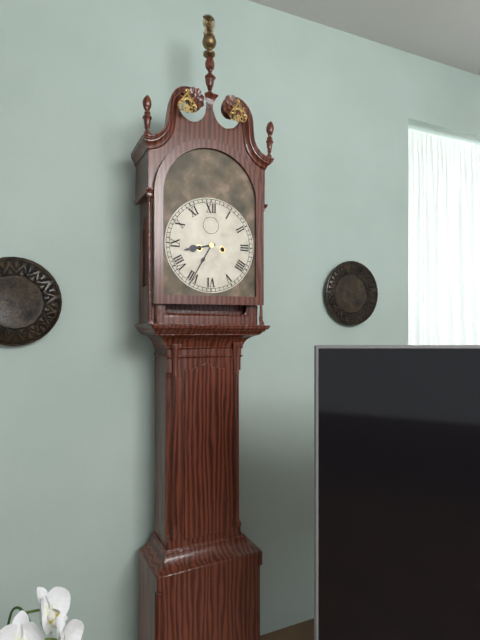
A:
8.35
